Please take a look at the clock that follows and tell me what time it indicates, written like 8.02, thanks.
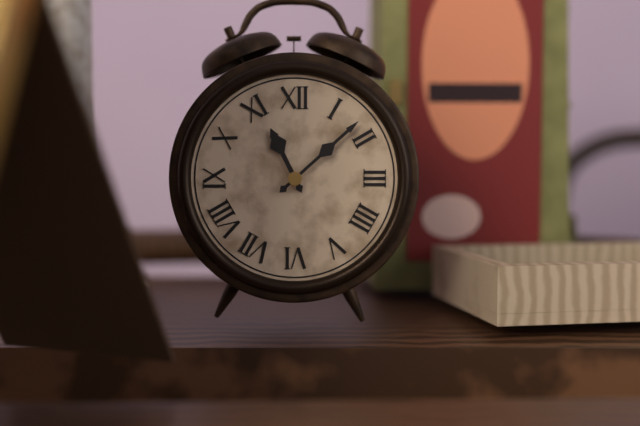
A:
11.08
